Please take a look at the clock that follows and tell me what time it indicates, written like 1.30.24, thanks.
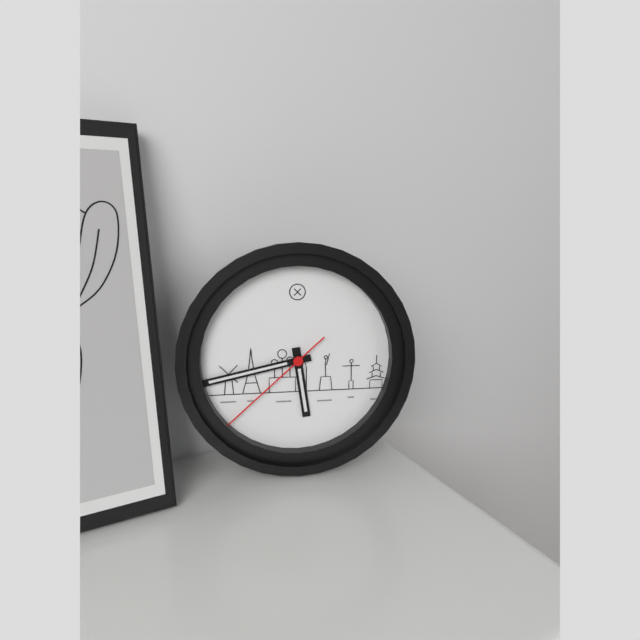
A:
5.43.38
